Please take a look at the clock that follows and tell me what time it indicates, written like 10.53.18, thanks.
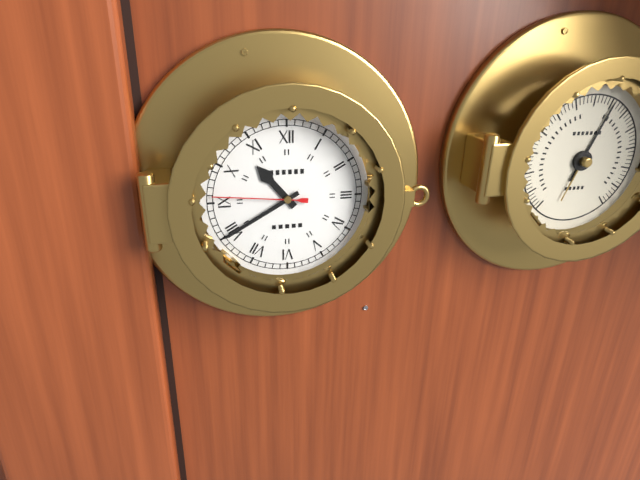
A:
10.40.46
